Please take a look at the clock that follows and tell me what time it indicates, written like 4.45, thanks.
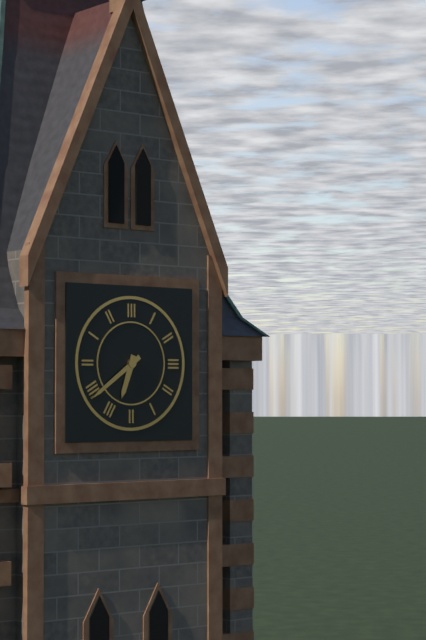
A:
6.39
